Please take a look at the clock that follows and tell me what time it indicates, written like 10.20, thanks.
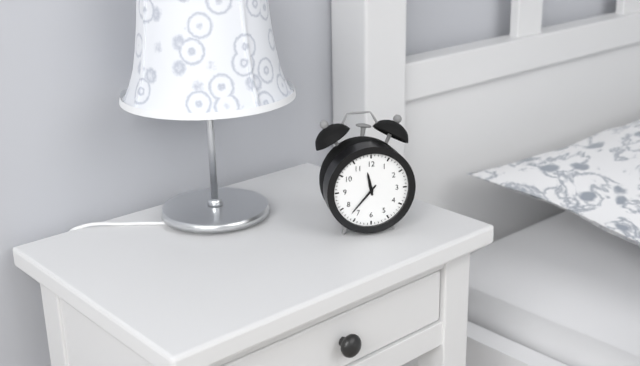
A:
11.37
